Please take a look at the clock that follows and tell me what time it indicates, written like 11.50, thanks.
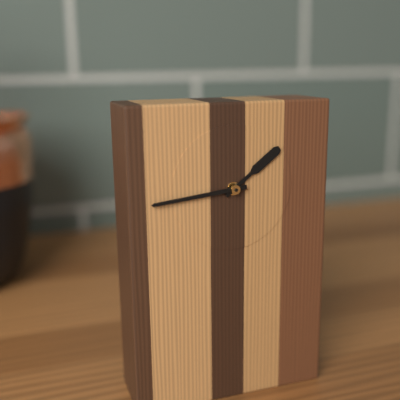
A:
1.44
